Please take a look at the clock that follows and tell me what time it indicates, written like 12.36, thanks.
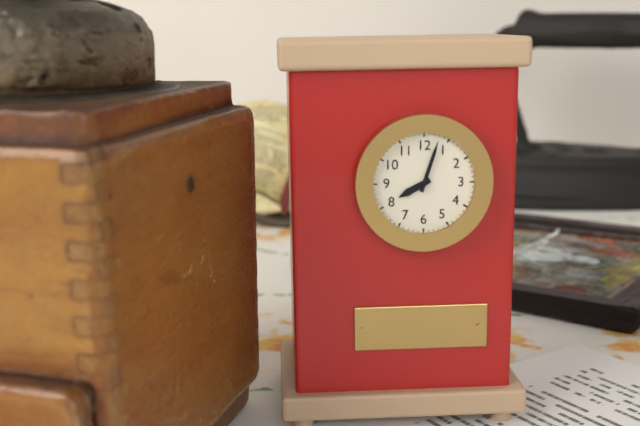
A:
8.03
